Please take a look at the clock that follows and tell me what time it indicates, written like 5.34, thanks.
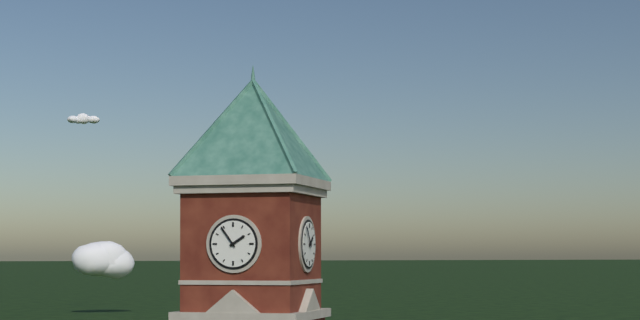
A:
1.54
